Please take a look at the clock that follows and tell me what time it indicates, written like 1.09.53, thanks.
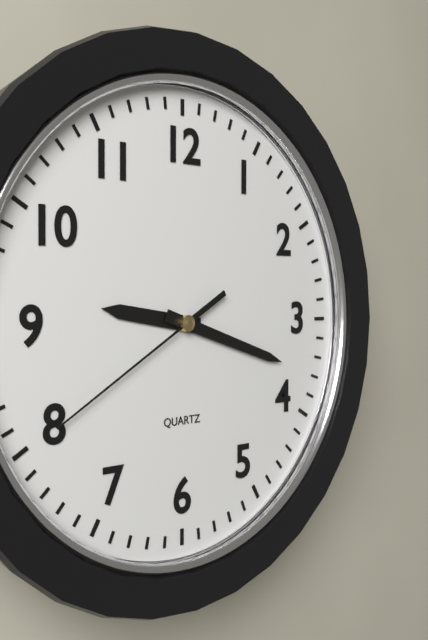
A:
9.18.40
